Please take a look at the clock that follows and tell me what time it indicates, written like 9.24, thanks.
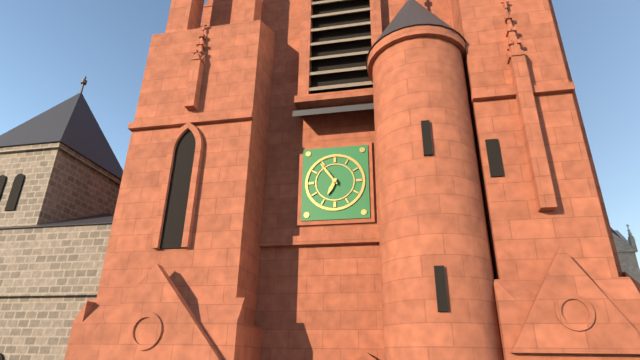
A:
6.54
